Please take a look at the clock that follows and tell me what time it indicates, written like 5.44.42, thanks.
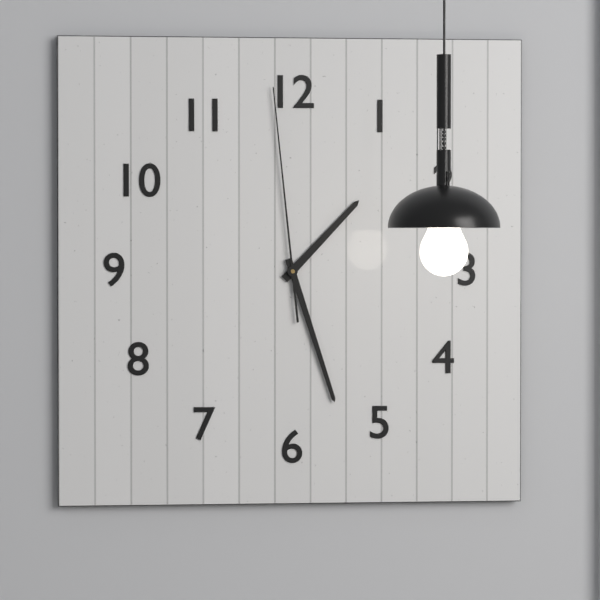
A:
1.27.59
